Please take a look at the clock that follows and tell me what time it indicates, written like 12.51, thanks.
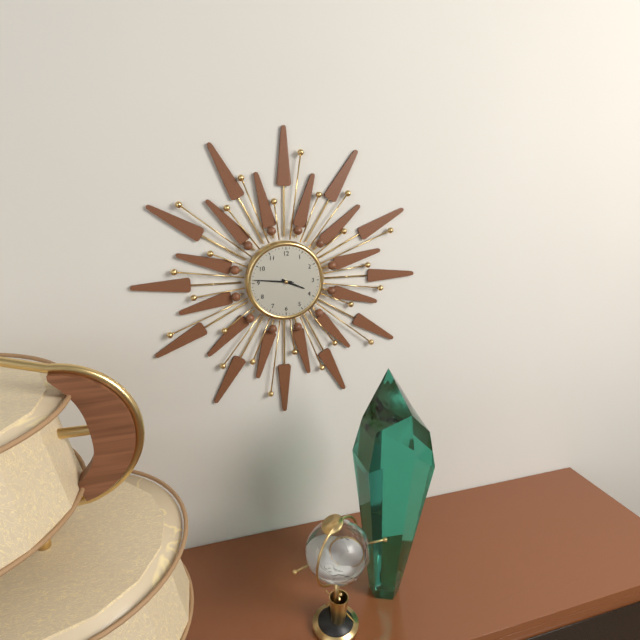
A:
3.46
